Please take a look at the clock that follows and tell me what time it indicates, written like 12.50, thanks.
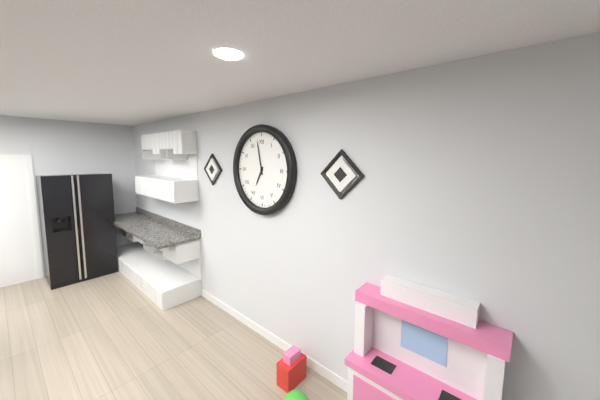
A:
6.58
